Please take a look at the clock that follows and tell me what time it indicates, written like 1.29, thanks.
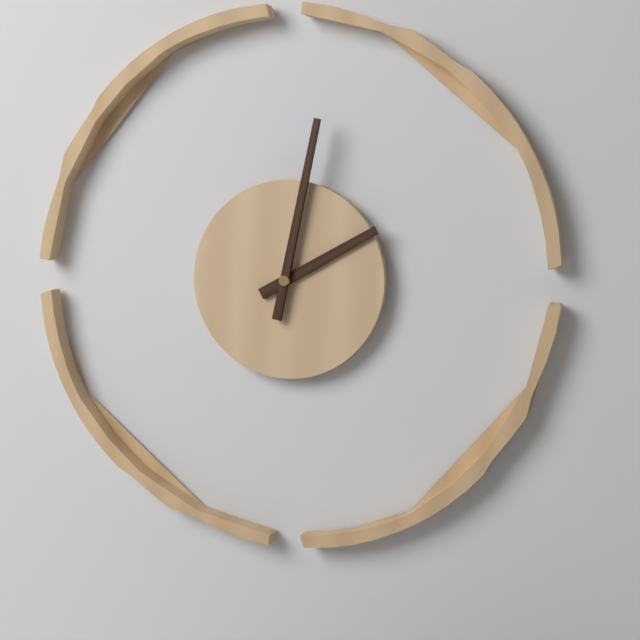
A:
2.02
